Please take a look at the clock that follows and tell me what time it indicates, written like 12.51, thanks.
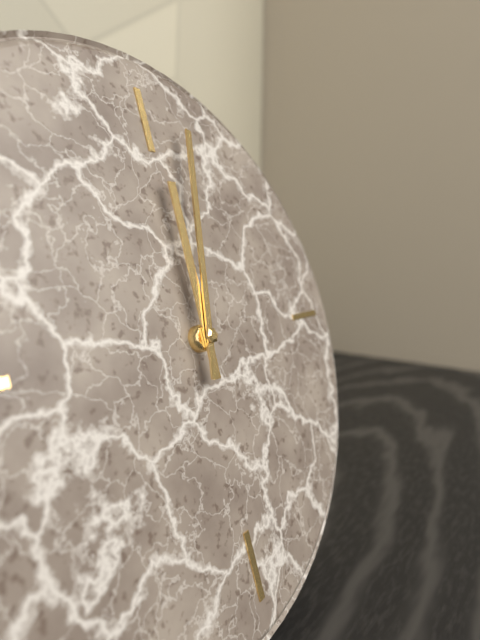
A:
12.02
